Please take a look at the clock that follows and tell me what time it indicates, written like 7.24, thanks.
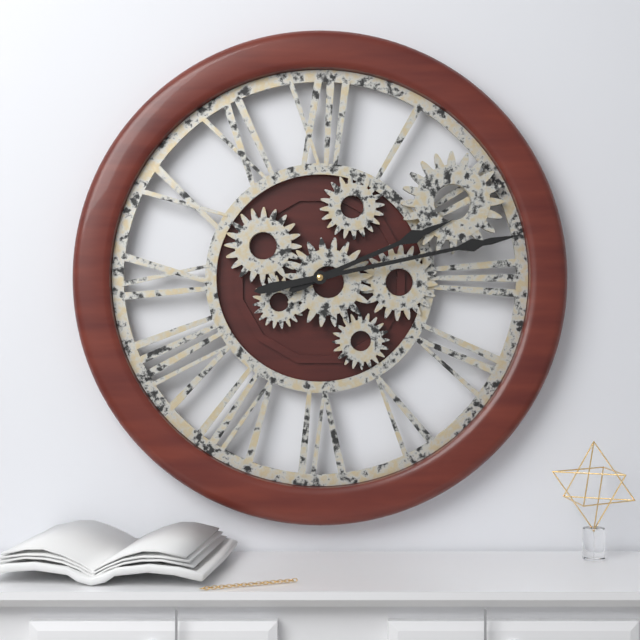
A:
2.13
